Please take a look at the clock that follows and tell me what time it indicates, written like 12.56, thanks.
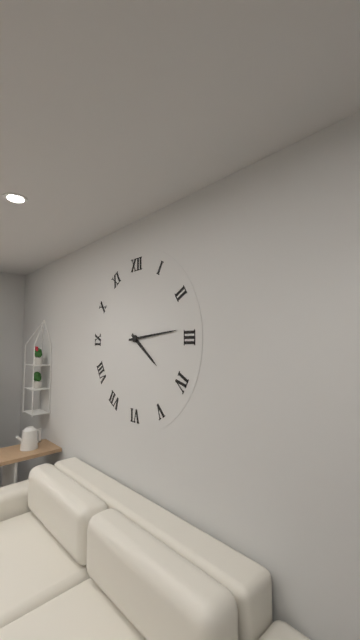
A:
4.14
